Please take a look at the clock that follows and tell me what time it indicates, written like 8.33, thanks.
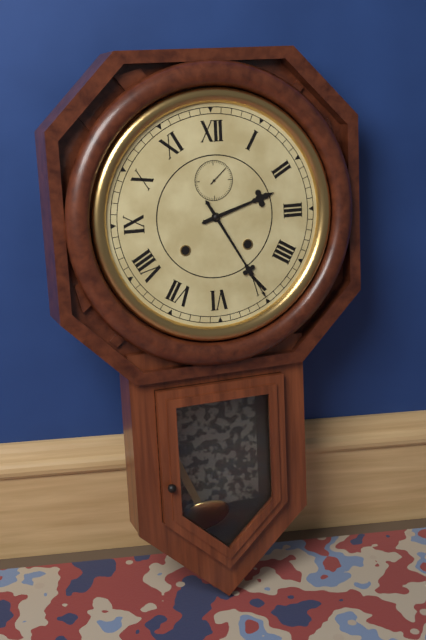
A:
2.25
